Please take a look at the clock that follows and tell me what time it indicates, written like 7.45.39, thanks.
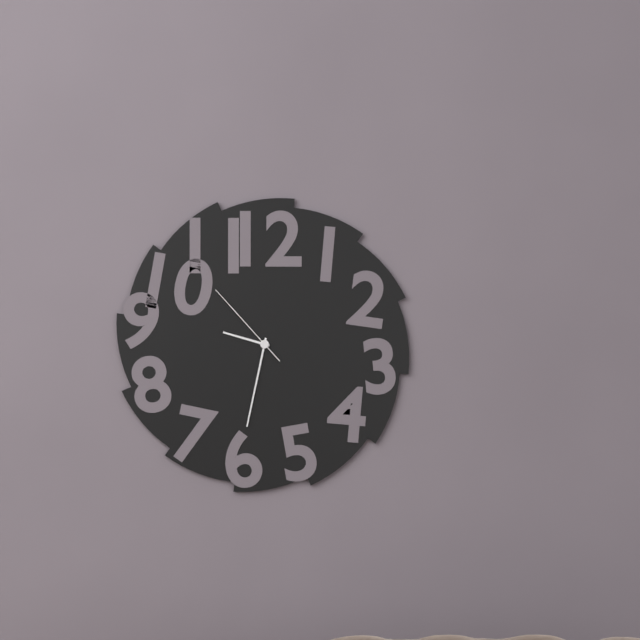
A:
9.32.53
